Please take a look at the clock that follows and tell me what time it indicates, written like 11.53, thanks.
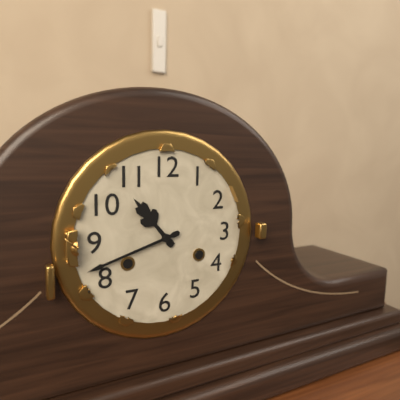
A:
10.42
